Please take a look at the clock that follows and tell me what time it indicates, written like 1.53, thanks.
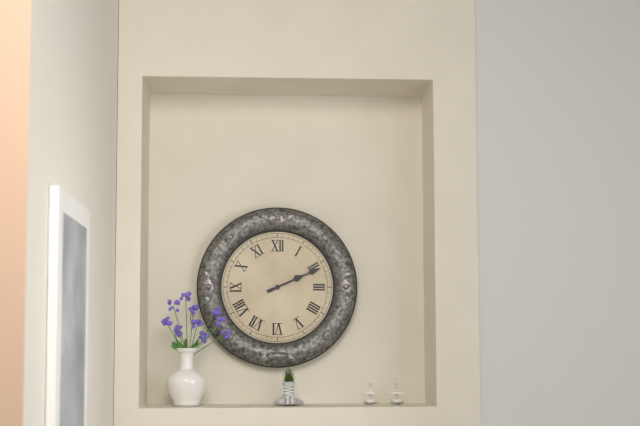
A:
2.11
